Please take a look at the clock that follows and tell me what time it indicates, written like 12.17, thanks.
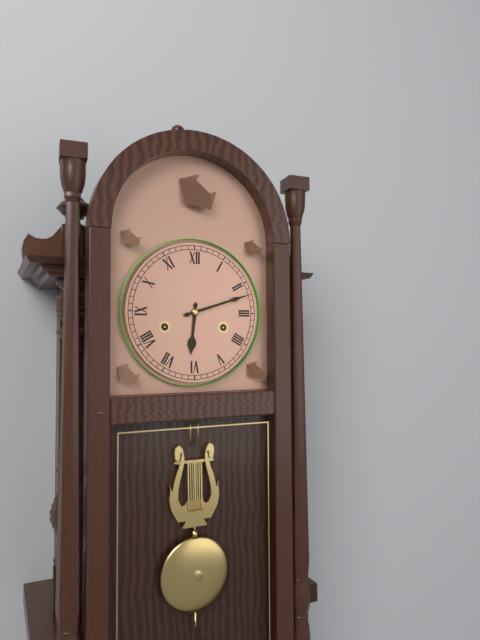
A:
6.12
